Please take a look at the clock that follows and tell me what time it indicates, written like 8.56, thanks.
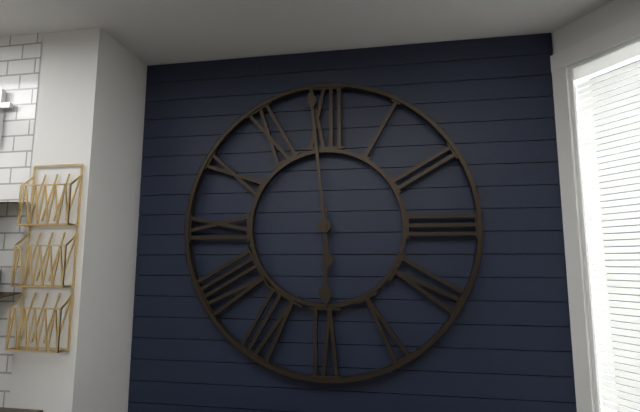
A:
5.59
